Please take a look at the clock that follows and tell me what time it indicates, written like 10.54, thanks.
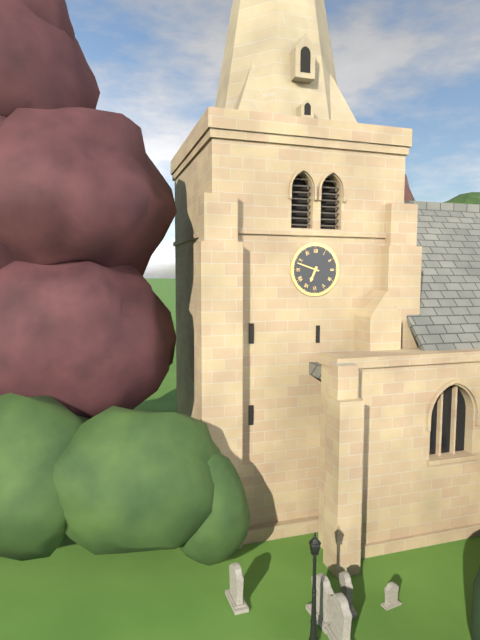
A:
6.48
